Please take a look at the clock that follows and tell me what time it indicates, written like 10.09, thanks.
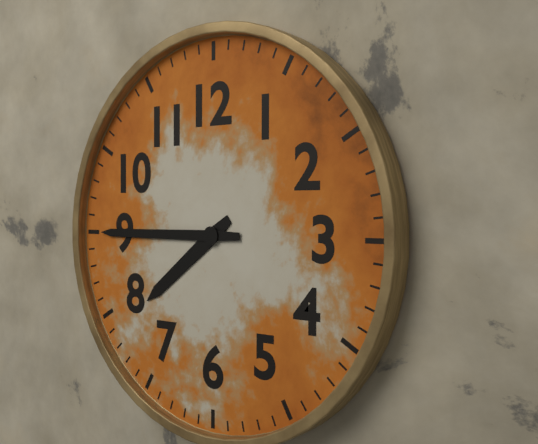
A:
7.45
